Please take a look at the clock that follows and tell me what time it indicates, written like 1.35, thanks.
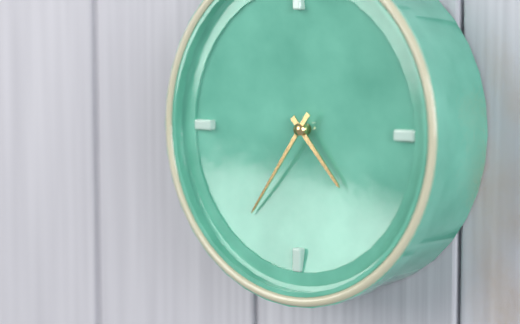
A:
4.36
